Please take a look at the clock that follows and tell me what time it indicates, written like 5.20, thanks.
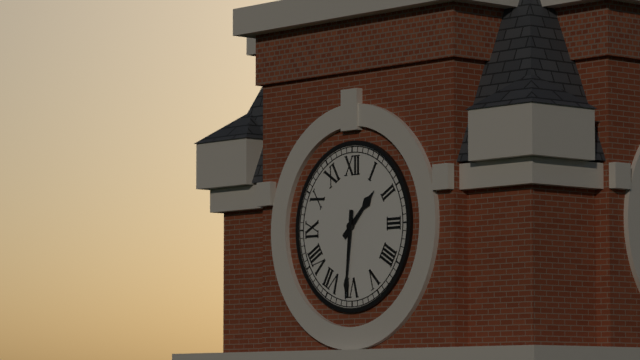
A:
1.31
